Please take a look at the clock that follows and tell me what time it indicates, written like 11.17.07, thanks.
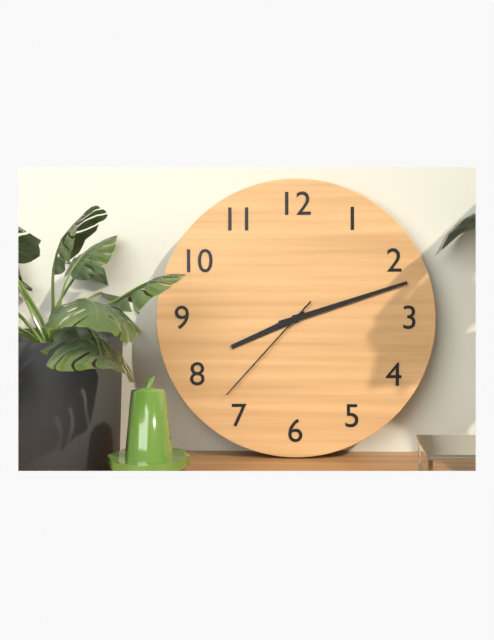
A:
8.12.37
